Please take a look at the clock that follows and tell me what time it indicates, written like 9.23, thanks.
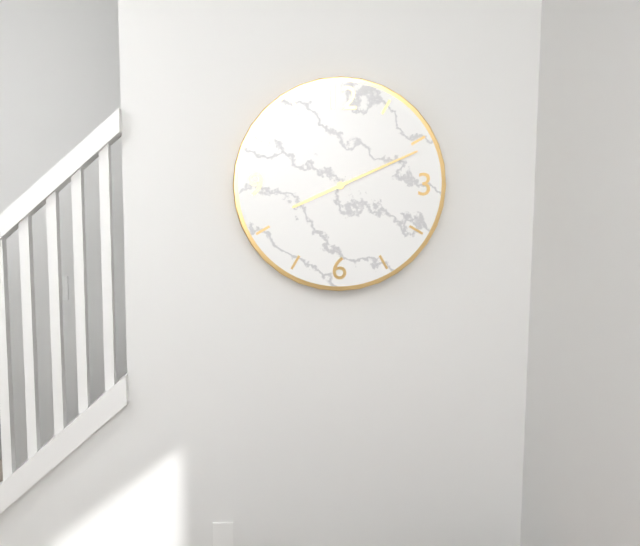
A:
8.11
